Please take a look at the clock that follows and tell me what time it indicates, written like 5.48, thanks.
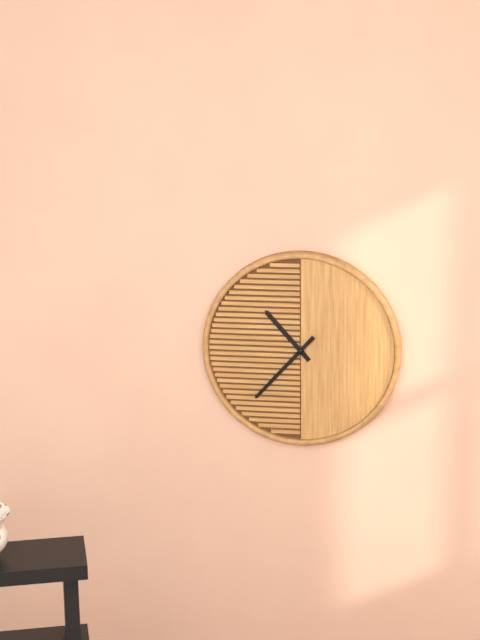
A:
10.37
